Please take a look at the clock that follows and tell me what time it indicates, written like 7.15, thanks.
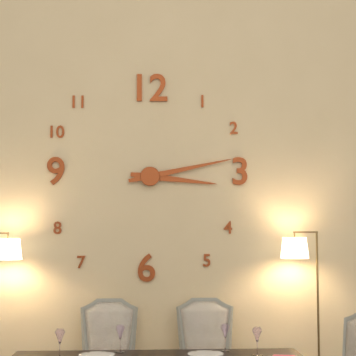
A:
3.13
